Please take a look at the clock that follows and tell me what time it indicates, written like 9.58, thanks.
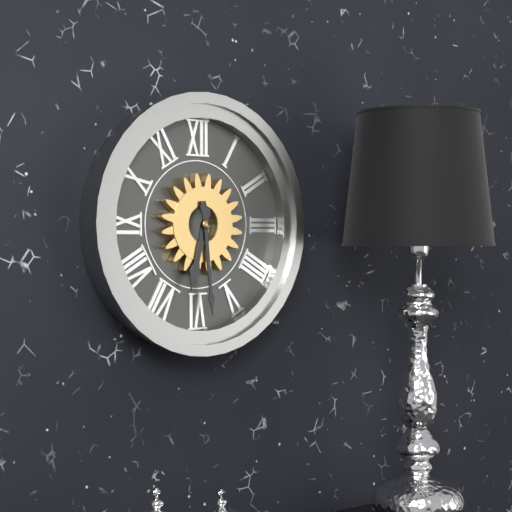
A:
6.29
